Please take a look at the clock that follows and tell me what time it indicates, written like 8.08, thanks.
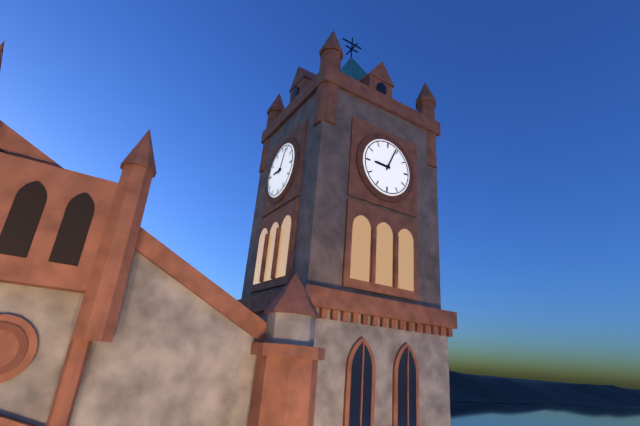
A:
9.04
